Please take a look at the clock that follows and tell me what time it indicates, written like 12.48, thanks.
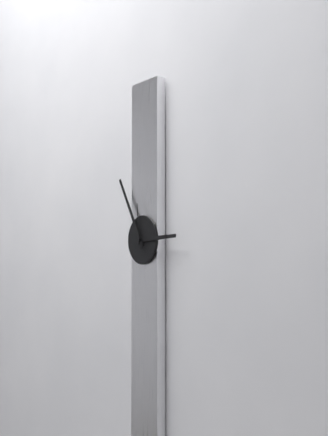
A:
2.55
